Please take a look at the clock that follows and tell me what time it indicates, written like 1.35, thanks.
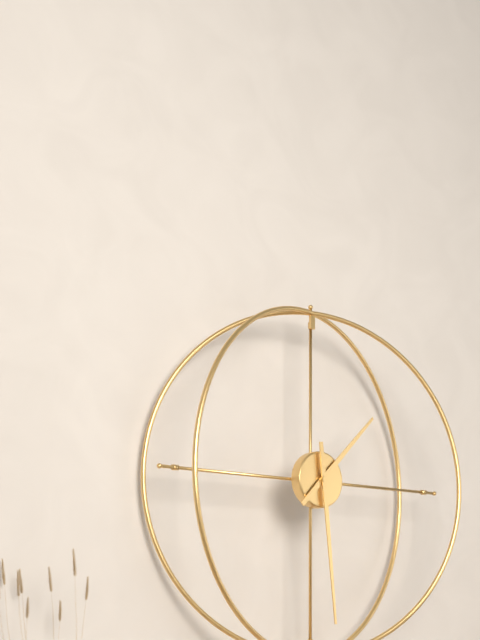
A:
1.29
